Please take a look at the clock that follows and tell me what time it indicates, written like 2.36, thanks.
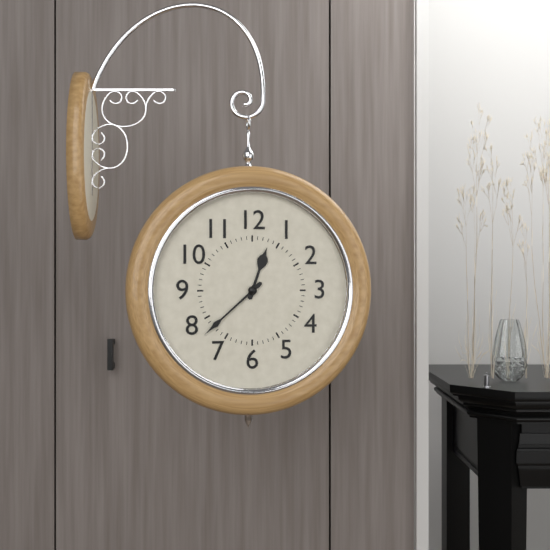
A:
12.38
